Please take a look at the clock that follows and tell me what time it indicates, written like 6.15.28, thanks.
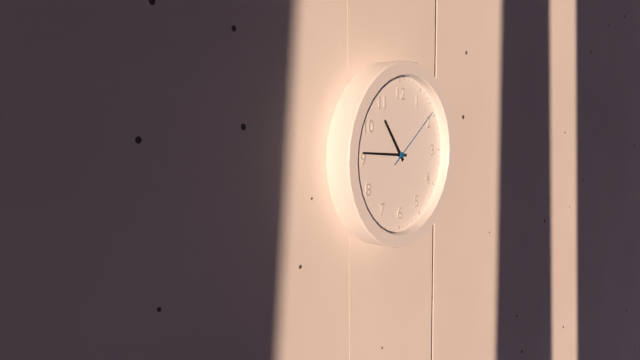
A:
10.46.09
